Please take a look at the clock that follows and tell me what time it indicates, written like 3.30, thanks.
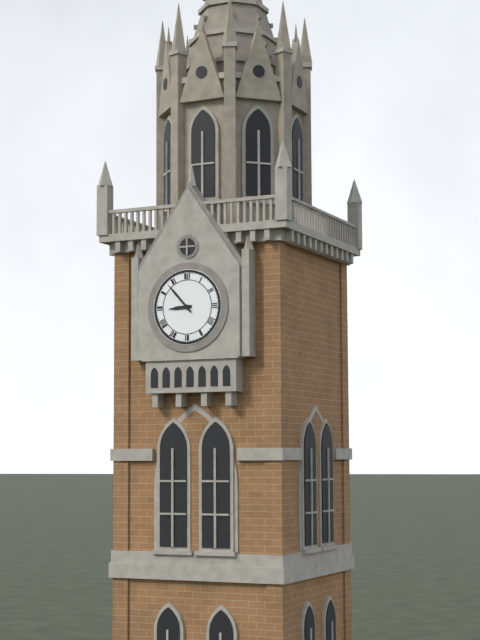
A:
8.53
